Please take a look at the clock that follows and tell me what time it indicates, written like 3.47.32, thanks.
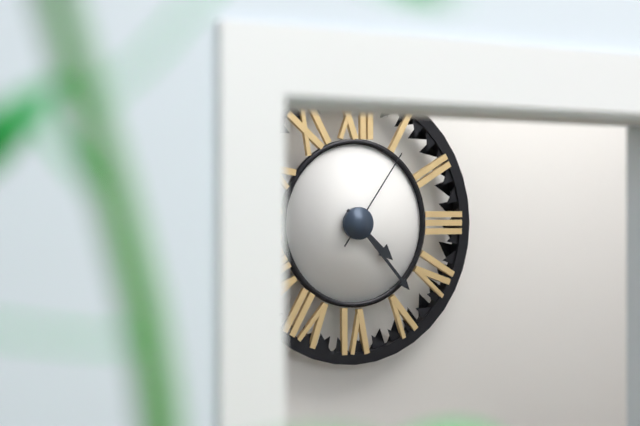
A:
4.23.06
